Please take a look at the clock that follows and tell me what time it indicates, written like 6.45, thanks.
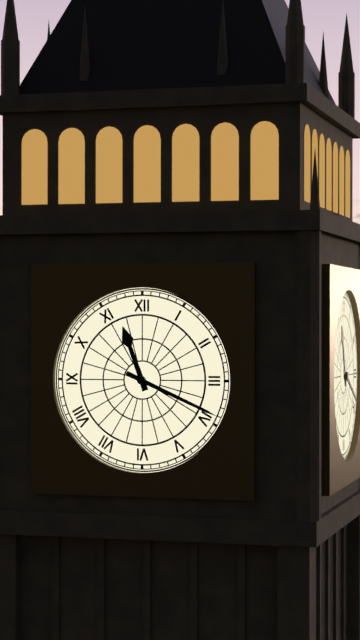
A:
11.19
